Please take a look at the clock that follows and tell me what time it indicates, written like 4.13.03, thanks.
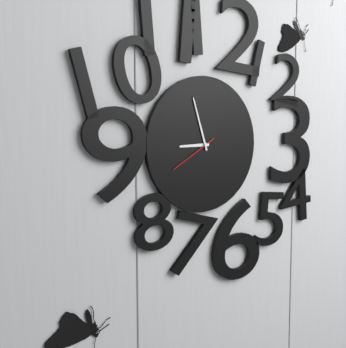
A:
8.57.40
